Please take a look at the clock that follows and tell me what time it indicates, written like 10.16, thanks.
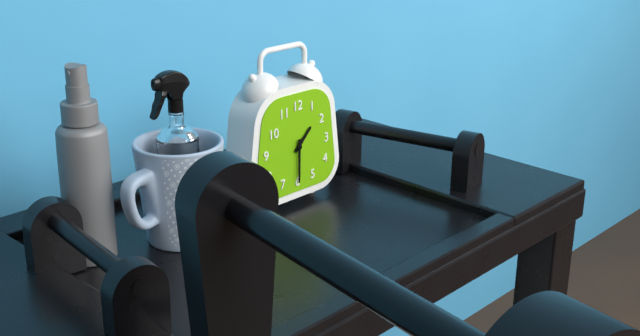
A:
1.30
